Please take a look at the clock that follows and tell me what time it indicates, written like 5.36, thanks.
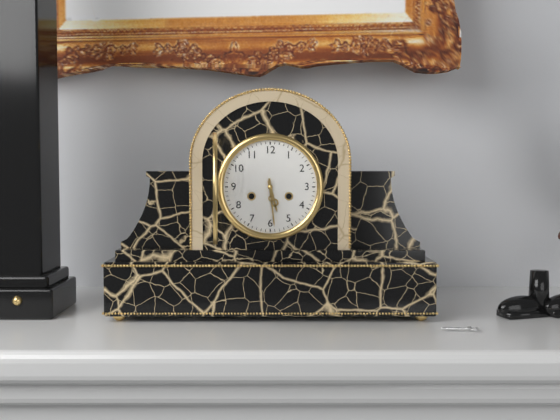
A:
5.29
